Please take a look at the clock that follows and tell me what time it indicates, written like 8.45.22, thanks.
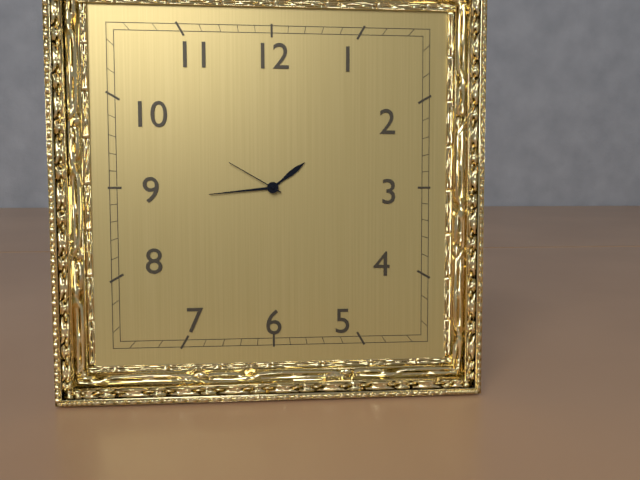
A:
1.44.50
